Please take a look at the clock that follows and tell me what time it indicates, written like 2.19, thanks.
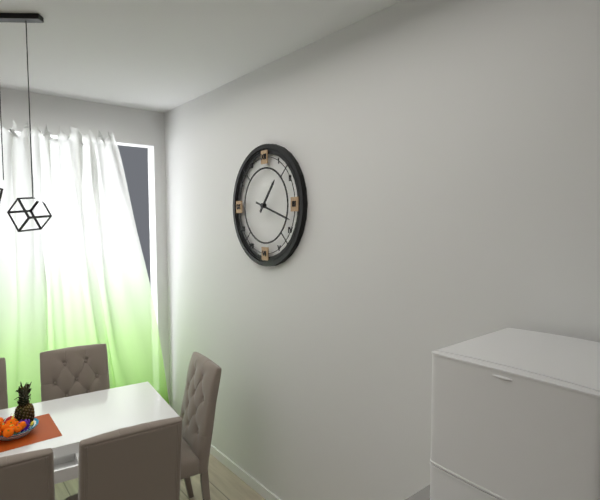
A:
1.18
